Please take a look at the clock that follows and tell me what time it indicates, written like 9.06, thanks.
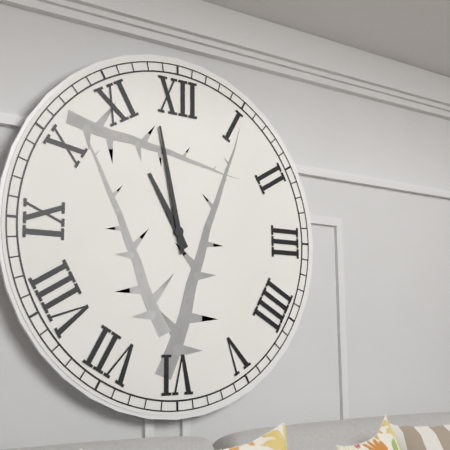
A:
10.58
